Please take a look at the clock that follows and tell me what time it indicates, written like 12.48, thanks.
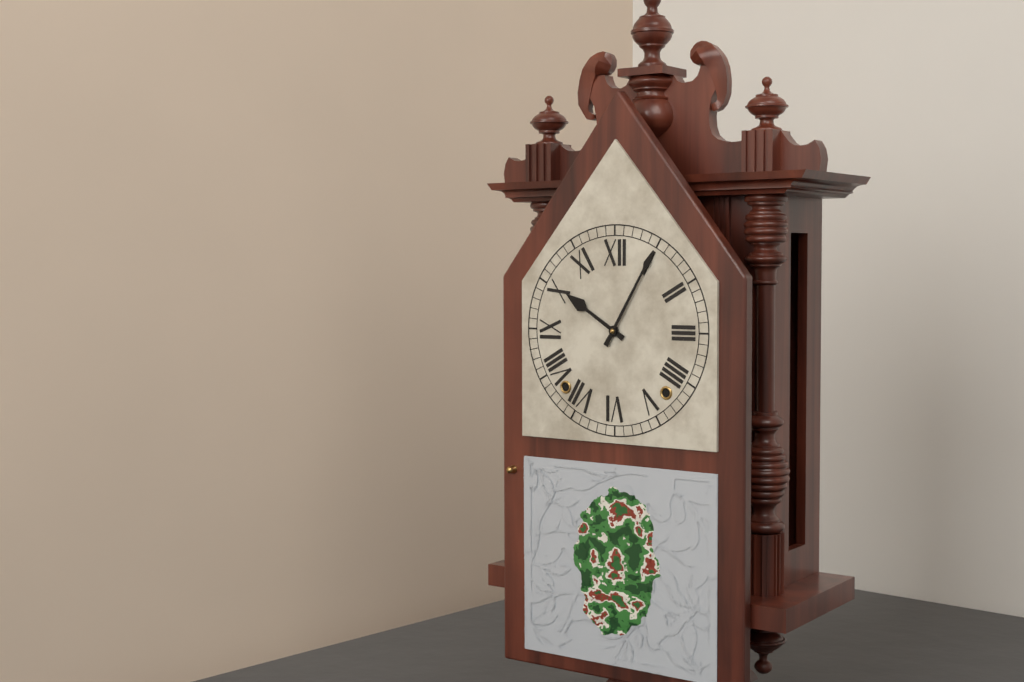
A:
10.05
